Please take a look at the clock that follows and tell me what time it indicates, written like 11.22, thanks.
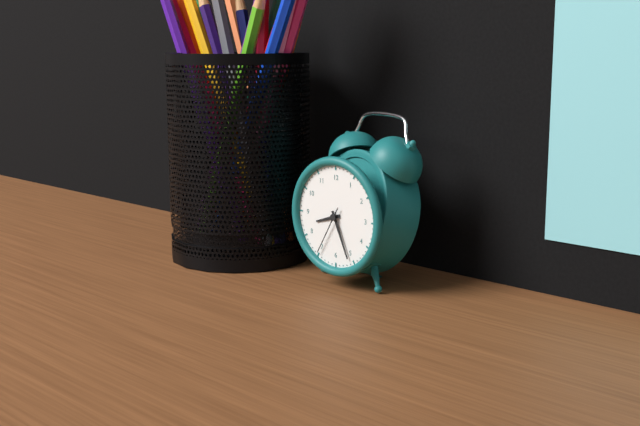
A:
8.26
